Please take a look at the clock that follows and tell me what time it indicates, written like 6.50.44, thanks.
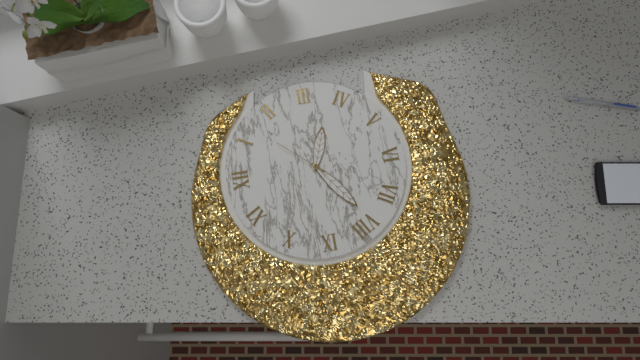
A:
3.39.07
